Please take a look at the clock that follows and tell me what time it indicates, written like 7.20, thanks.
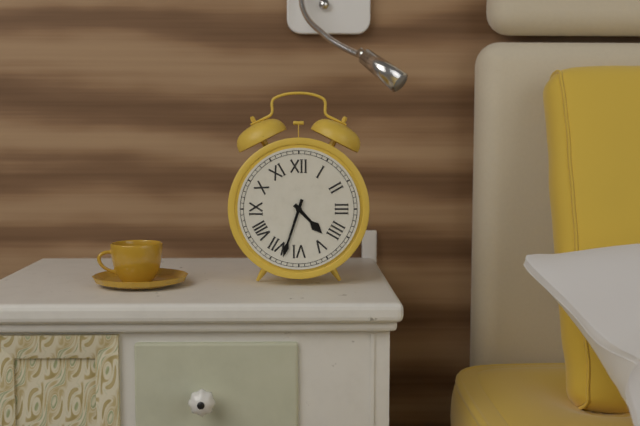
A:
4.33
